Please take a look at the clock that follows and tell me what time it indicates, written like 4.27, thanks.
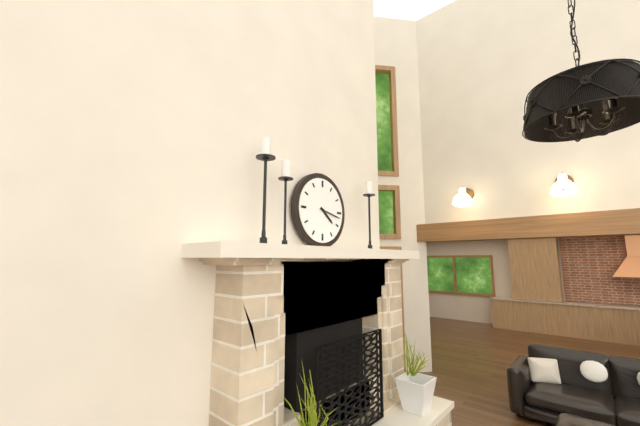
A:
4.17
